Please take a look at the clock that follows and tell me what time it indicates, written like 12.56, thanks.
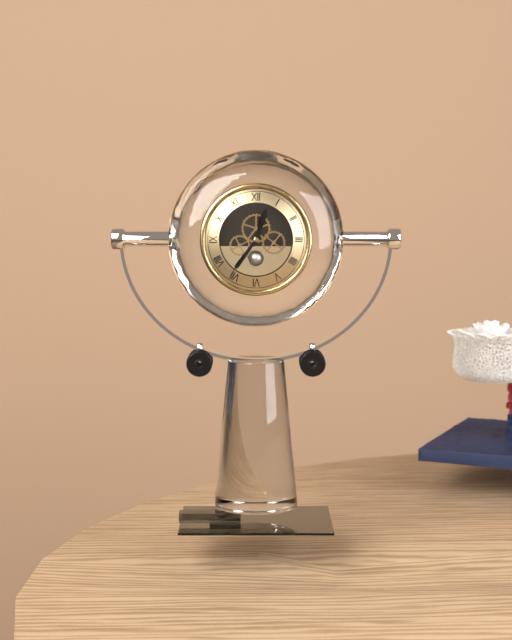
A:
12.36
